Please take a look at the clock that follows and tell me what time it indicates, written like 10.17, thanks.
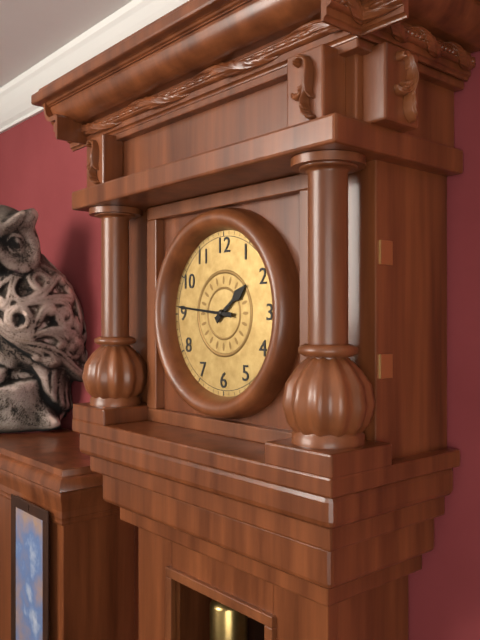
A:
1.46
